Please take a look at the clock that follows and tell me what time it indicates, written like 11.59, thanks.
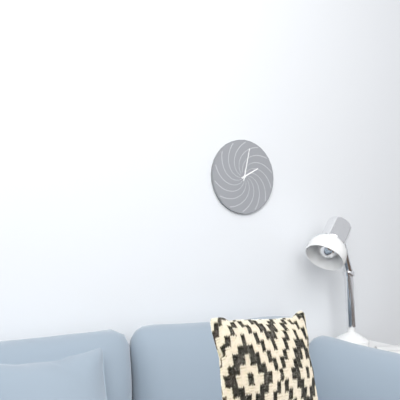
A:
2.02
